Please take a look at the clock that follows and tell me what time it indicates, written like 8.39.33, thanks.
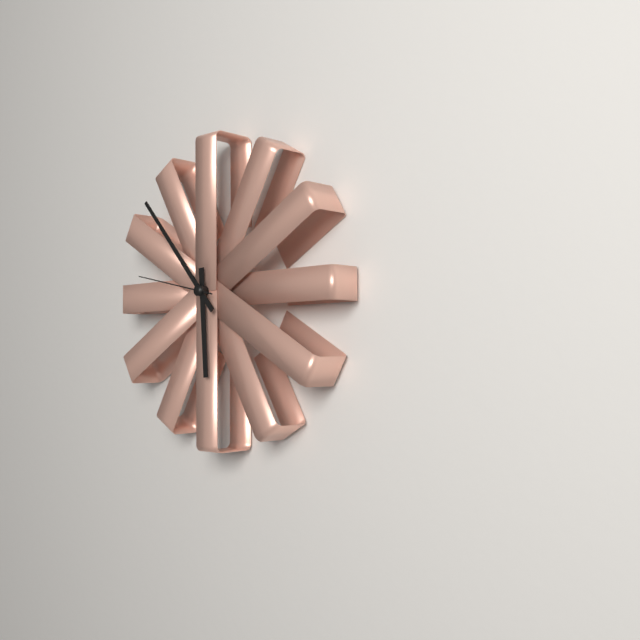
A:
5.53.47
